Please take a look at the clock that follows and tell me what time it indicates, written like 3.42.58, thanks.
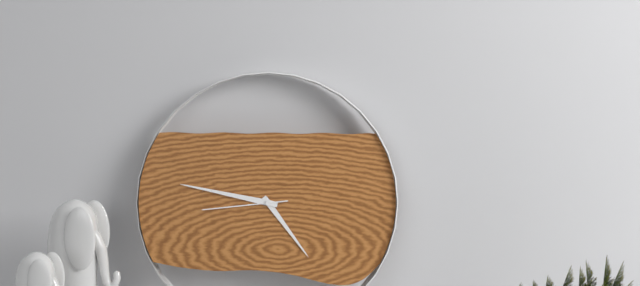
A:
4.47.44
